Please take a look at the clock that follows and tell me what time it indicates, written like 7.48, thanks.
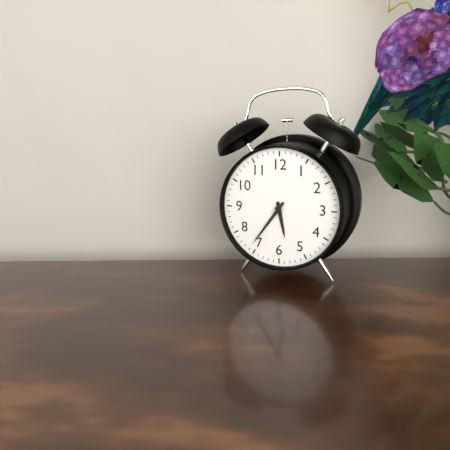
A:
5.36
